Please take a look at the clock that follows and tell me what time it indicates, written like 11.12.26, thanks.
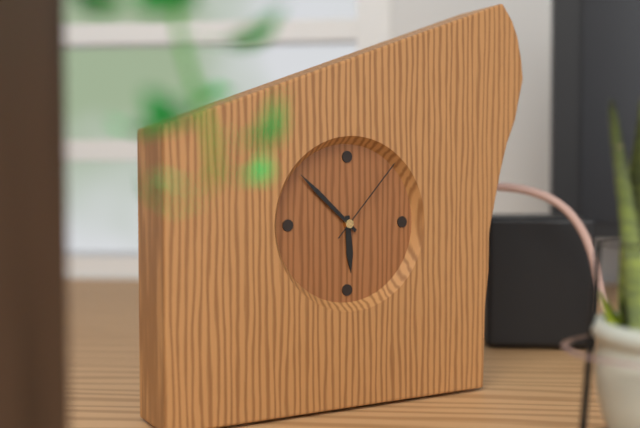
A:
5.52.07
